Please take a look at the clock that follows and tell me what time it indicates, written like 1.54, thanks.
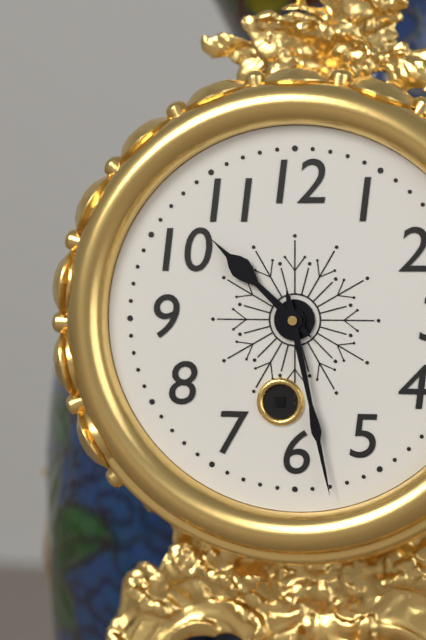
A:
10.28
